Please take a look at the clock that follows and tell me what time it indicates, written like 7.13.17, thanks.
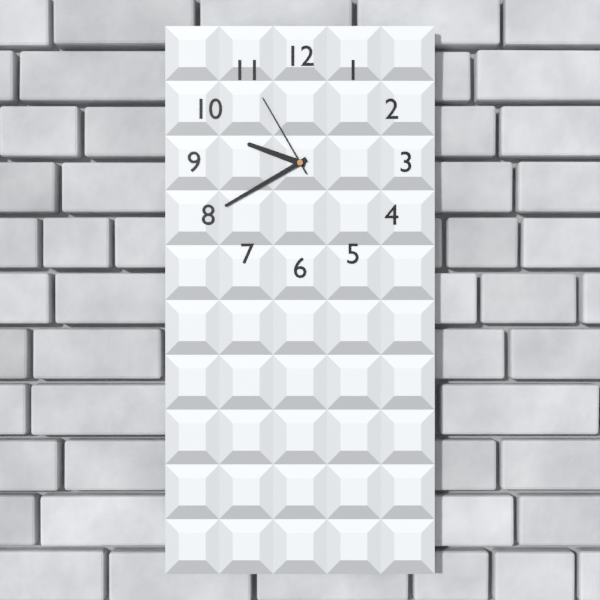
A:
9.40.55
